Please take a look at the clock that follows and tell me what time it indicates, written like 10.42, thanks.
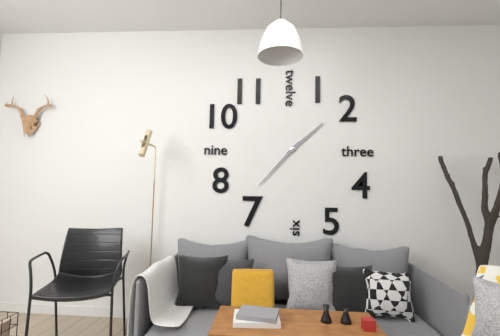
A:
1.37
